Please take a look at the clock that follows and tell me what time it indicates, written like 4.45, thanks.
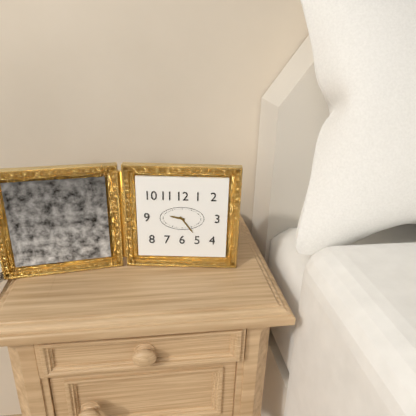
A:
9.24
